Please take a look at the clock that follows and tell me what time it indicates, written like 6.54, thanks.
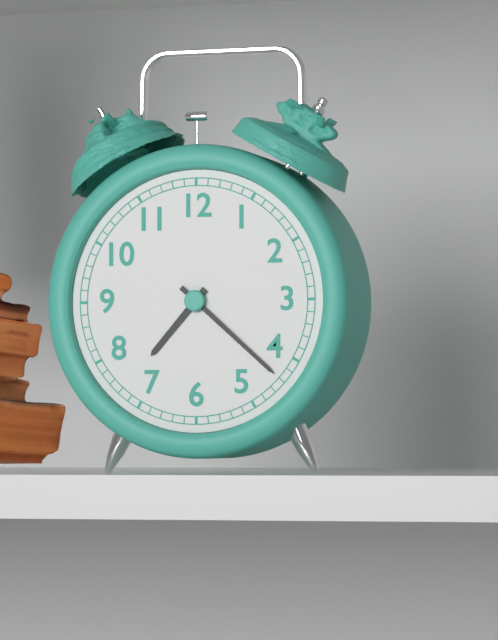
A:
7.22
